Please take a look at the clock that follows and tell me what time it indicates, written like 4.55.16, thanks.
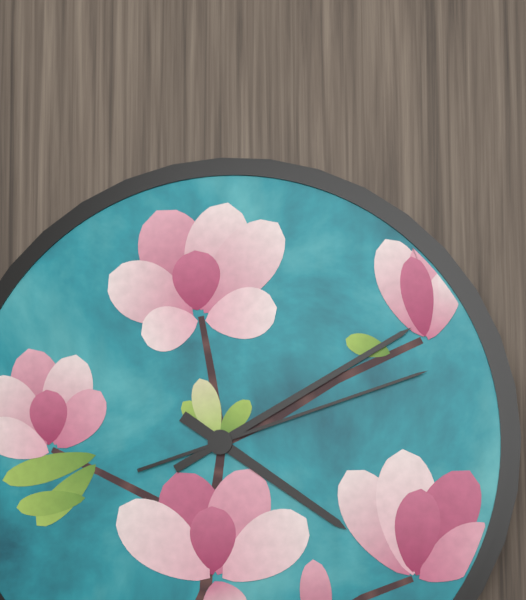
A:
4.10.12
